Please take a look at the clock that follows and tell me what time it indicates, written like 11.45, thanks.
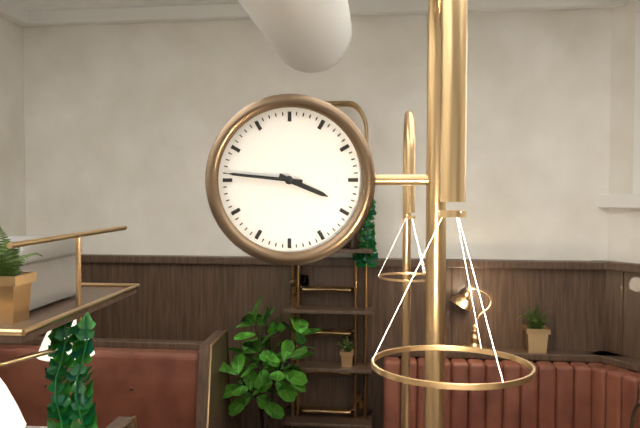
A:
3.46
